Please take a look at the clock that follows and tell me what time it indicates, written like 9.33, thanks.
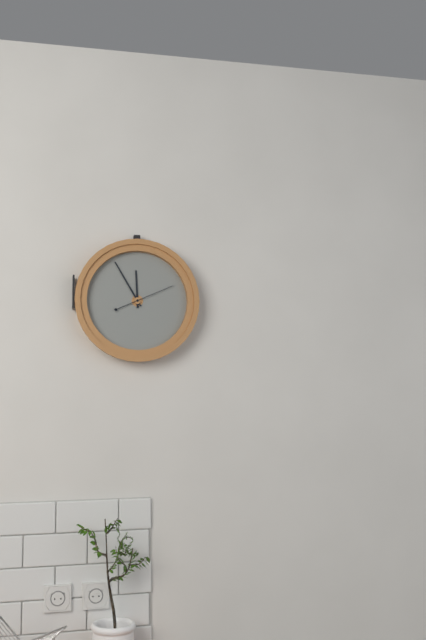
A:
11.55
